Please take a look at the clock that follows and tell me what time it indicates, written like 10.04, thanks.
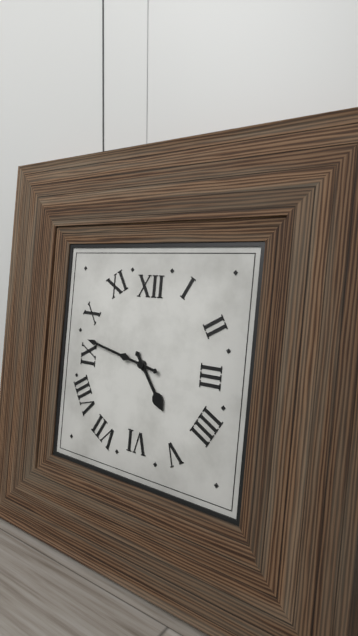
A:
4.47
